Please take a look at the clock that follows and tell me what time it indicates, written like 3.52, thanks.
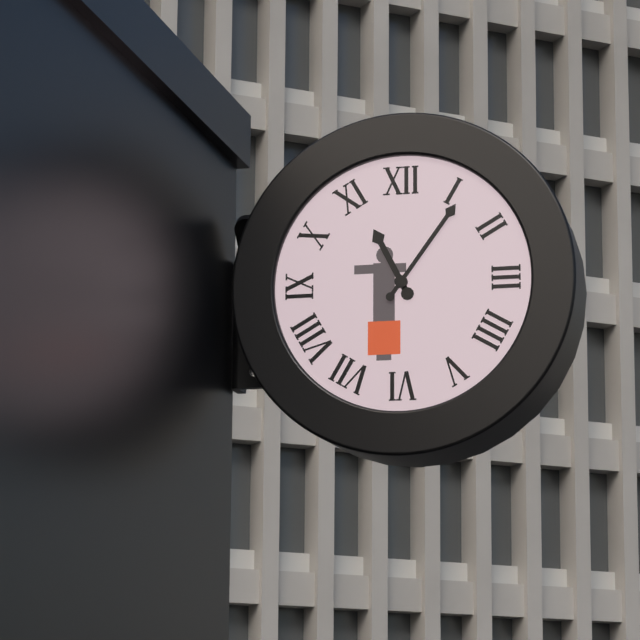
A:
11.06
